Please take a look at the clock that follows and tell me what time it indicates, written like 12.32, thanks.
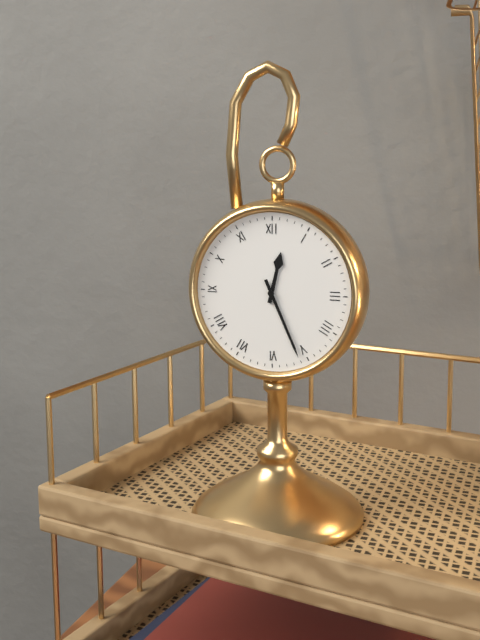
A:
12.26
